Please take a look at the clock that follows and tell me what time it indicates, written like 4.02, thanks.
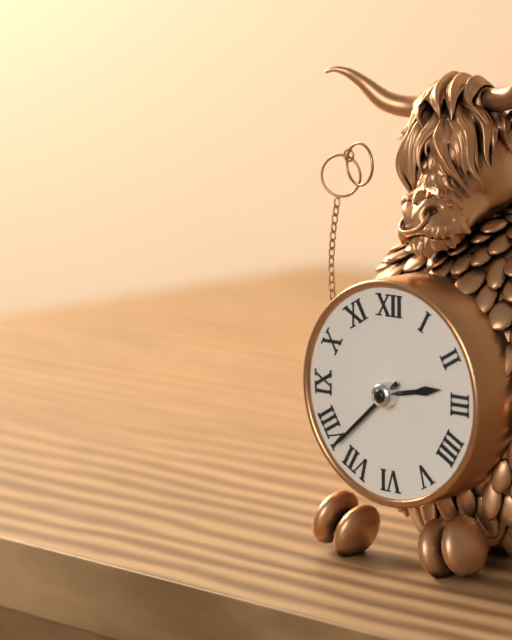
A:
2.38
